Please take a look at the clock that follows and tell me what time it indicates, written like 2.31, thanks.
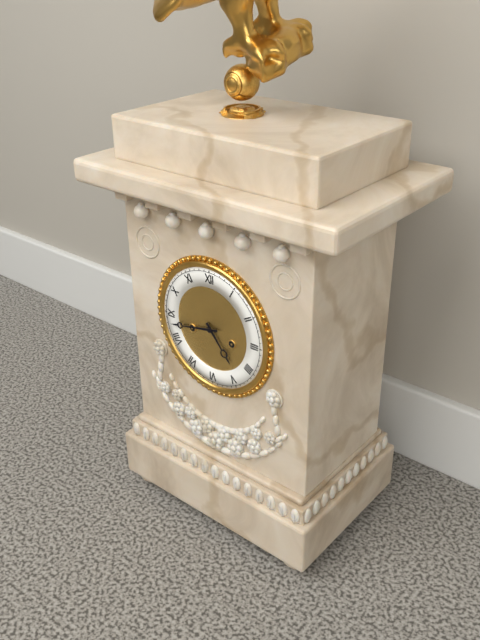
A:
4.43
